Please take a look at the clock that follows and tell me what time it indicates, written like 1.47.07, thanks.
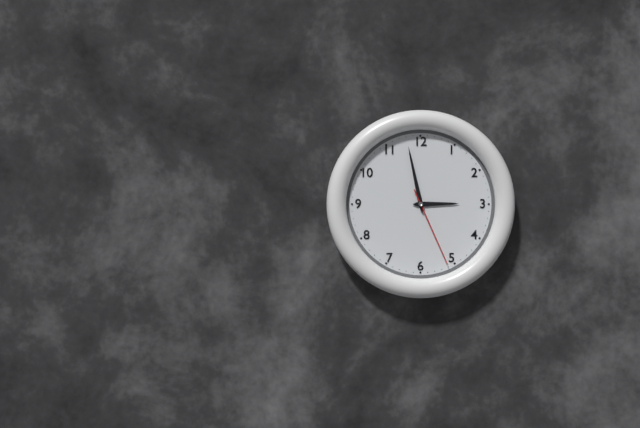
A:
2.58.26
